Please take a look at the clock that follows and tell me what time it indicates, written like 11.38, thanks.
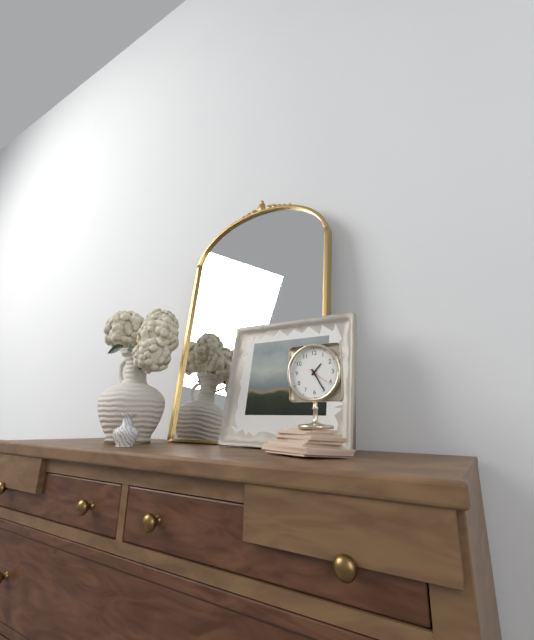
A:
1.25
